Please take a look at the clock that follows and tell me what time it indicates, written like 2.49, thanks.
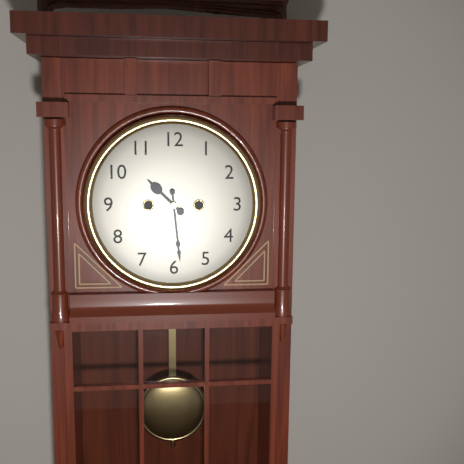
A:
10.29
